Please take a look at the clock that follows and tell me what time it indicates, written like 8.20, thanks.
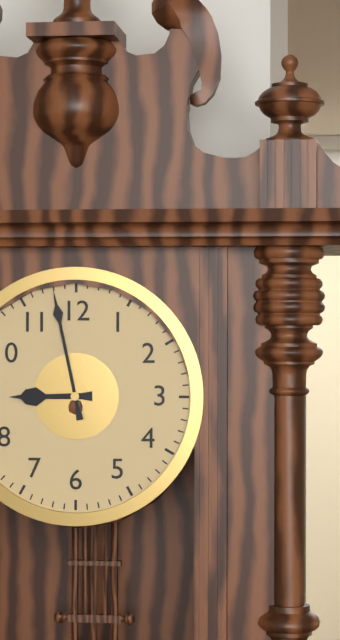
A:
8.58
